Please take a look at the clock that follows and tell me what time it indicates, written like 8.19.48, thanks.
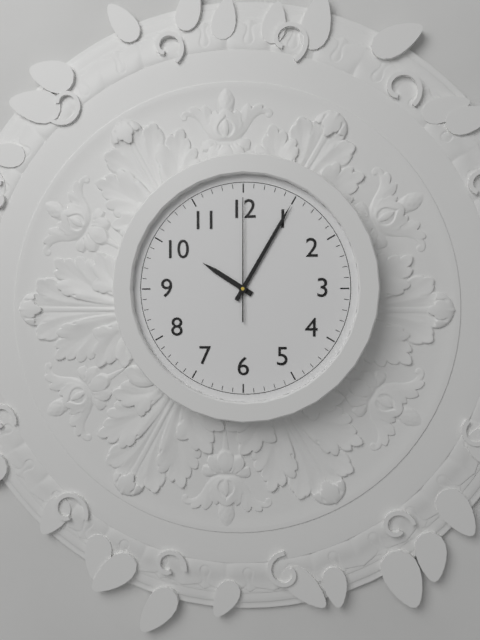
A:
10.05.00
